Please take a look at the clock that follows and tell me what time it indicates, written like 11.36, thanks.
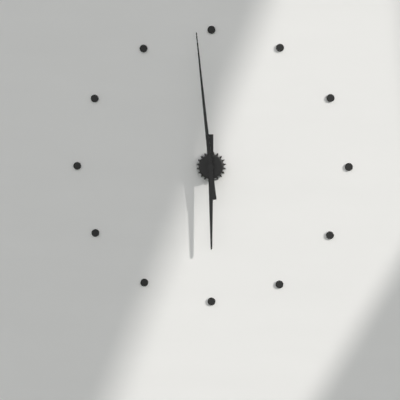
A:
5.59
